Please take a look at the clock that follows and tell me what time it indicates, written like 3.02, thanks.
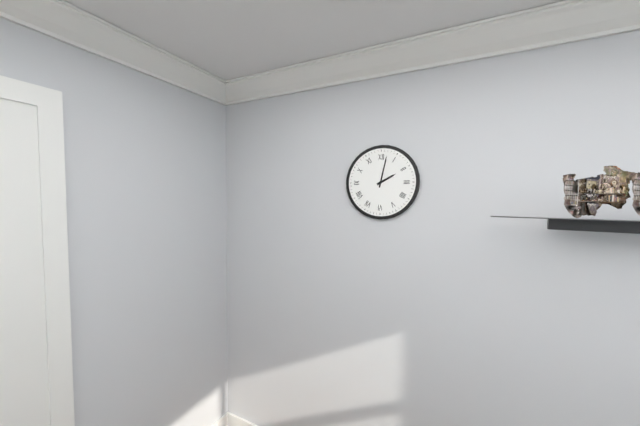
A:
2.02
